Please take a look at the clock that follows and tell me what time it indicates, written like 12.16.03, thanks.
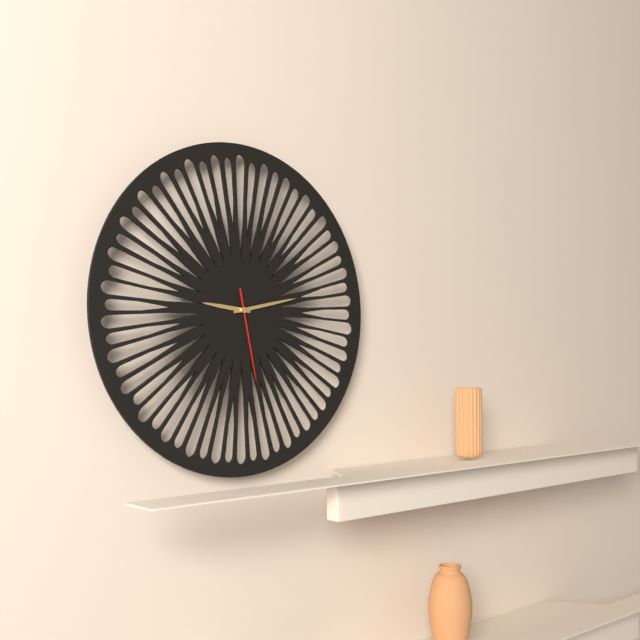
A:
9.13.28
